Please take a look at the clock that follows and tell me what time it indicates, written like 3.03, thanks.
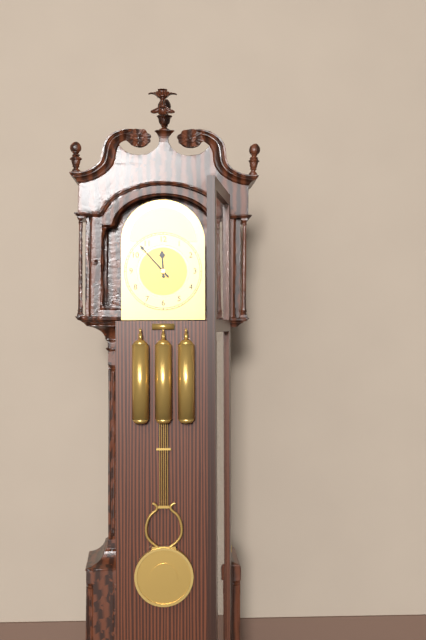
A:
11.53
